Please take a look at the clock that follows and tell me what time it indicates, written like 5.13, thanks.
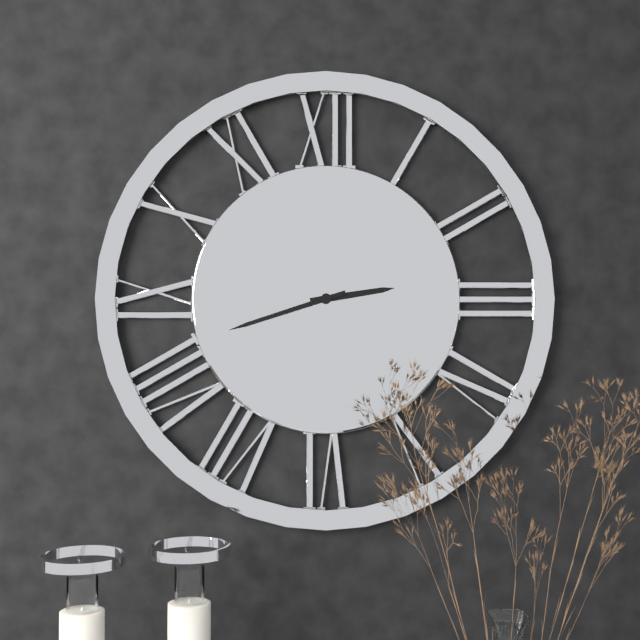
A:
2.42
